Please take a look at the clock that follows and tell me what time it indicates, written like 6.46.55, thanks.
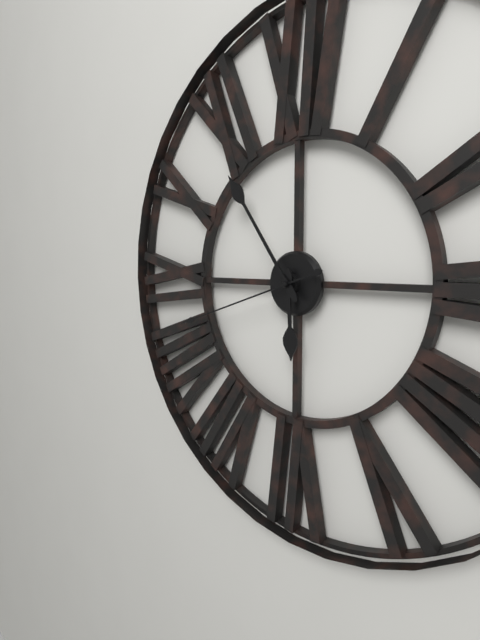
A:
5.54.42
